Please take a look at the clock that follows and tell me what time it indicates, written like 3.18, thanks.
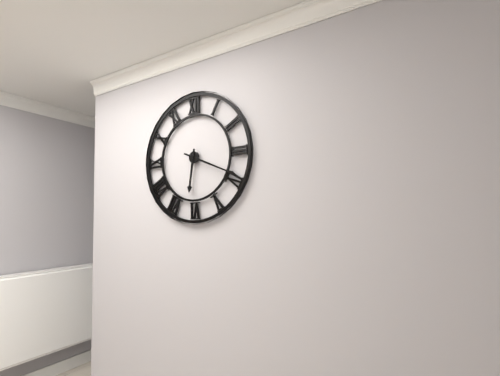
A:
6.19
